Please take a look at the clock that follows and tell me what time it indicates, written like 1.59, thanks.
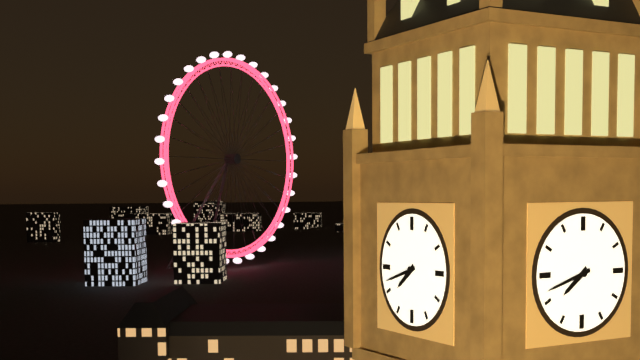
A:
7.42
